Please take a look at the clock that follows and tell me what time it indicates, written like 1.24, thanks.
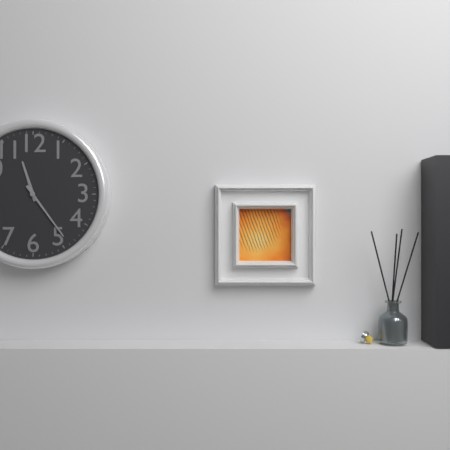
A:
11.24
